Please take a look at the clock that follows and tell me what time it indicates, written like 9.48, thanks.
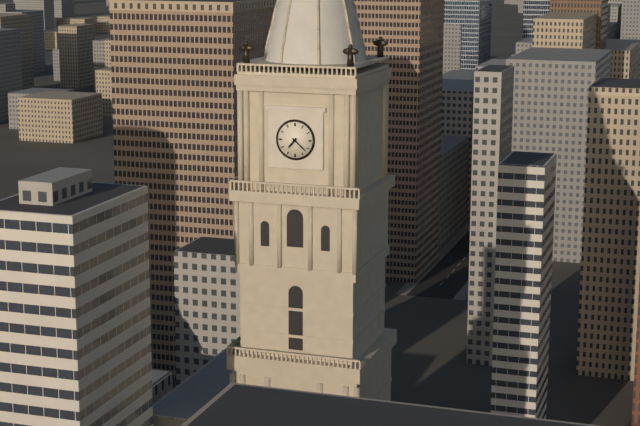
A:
7.22
